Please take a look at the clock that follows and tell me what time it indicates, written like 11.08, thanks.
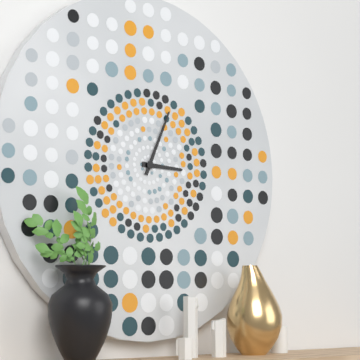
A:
3.04
